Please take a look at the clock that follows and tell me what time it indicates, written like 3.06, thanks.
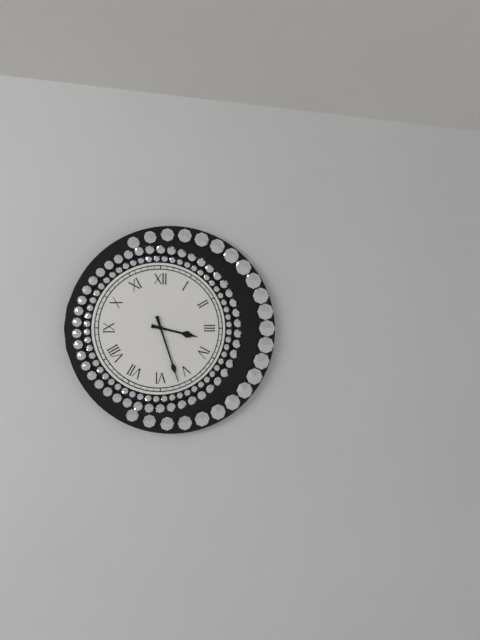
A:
3.27
